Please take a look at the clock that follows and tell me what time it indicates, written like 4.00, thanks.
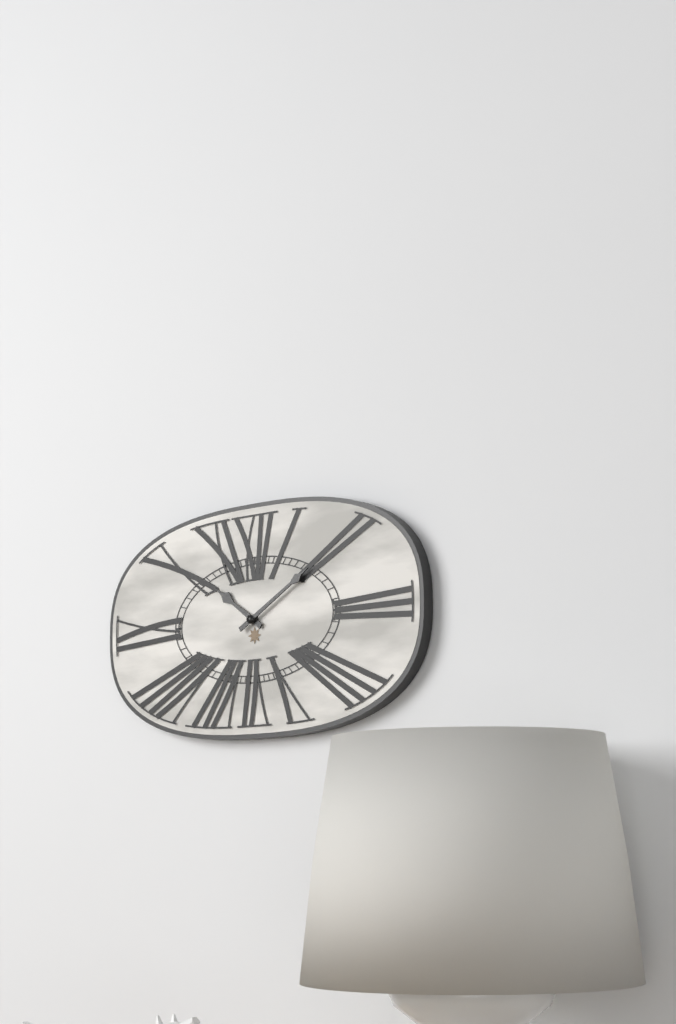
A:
10.10
